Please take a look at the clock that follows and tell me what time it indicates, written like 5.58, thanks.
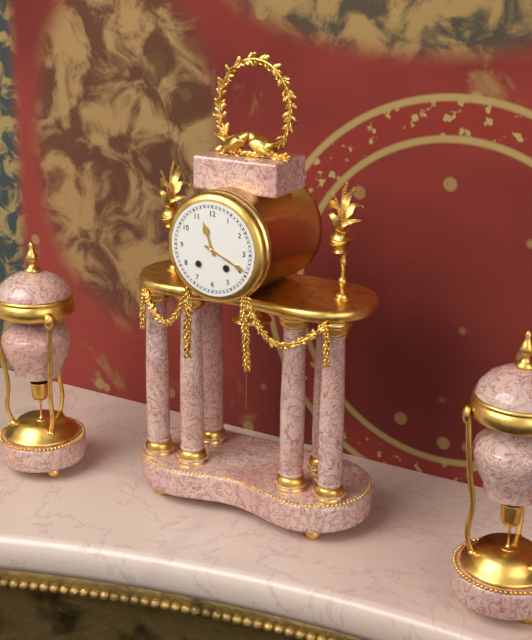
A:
11.19
